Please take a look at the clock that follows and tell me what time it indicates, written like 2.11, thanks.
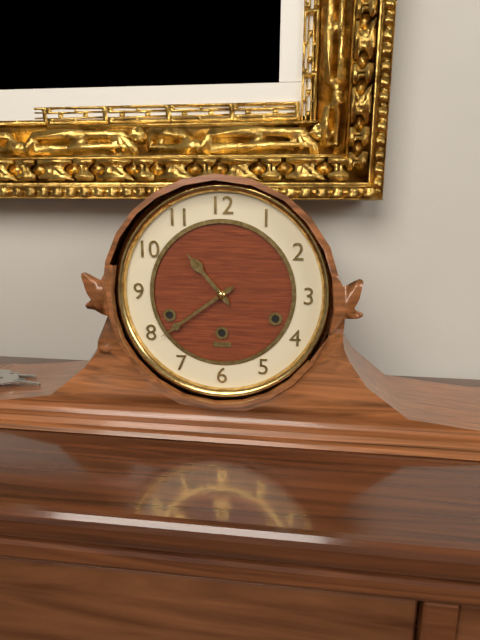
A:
10.39
